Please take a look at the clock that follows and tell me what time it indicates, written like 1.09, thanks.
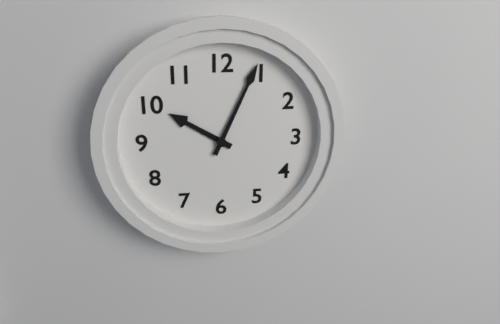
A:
10.04
